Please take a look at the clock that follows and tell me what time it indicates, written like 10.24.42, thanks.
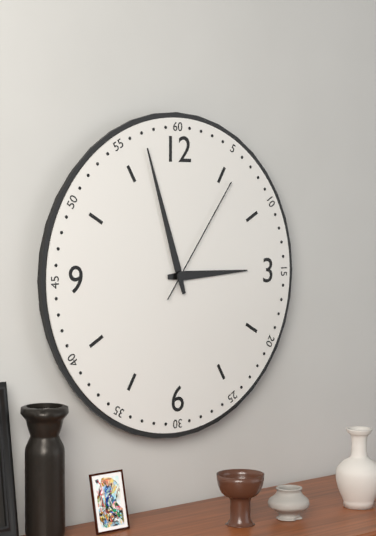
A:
2.57.06
